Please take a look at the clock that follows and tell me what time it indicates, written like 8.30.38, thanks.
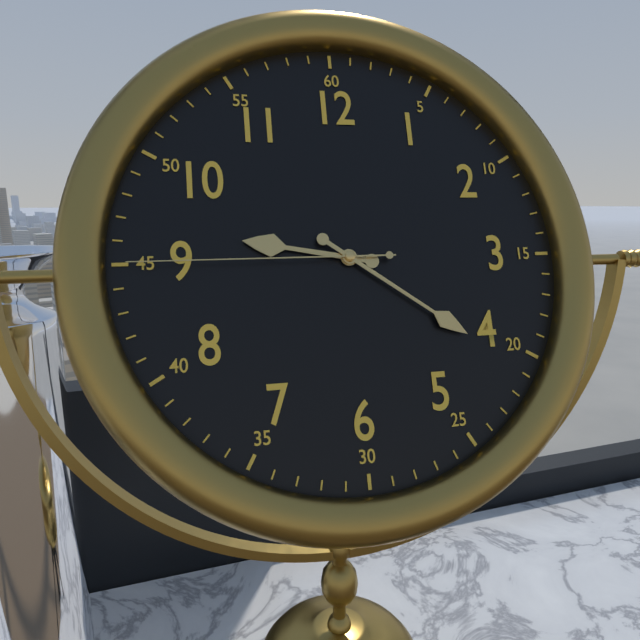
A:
9.21.45
